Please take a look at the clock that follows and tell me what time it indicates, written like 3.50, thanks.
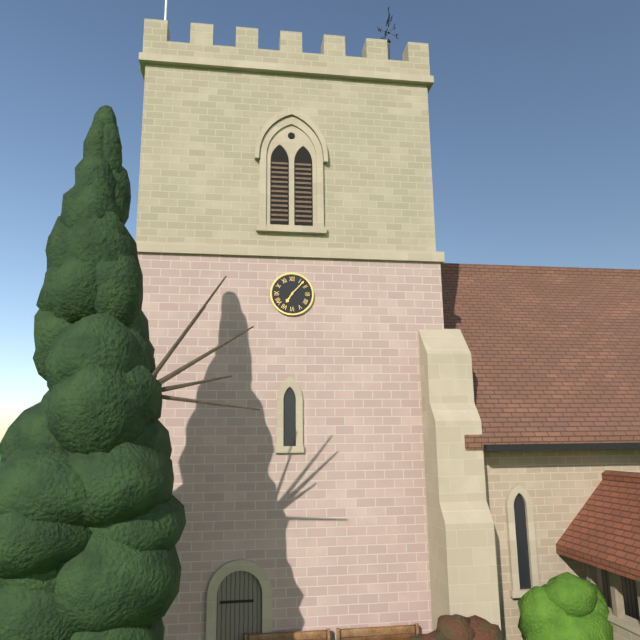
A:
7.07
